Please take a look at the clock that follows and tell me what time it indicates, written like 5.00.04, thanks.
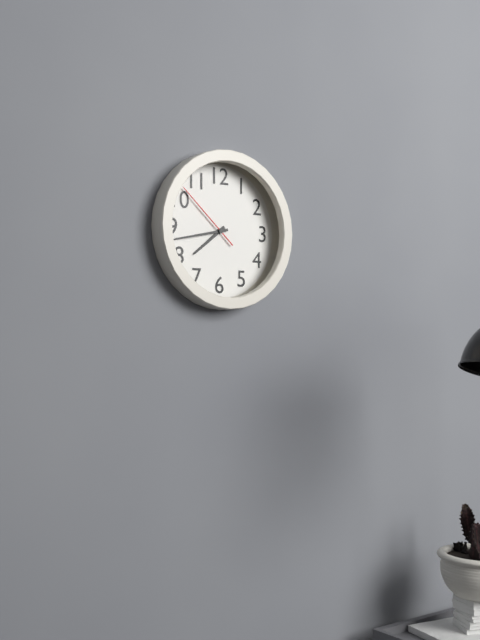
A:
7.43.52
